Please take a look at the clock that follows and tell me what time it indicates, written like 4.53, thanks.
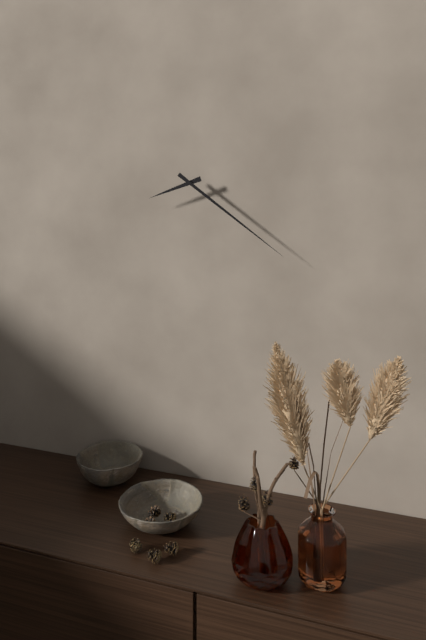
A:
8.21
